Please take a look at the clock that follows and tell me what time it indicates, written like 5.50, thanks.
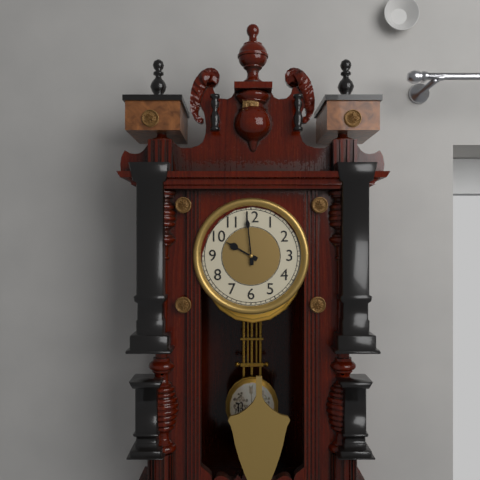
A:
9.59
